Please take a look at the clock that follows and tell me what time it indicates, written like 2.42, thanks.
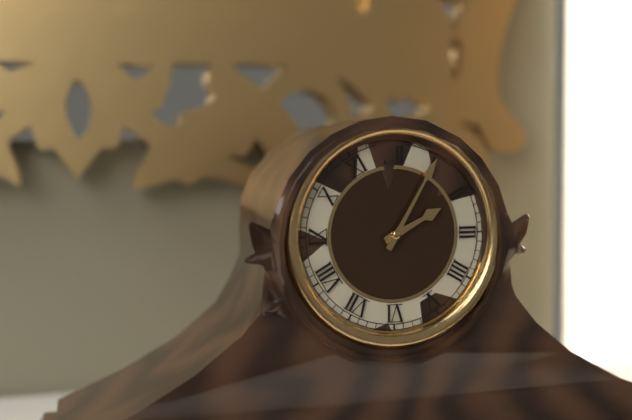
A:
2.05
